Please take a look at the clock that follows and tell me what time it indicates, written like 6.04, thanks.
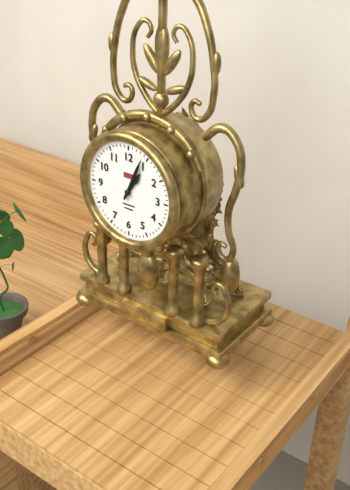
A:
1.04
